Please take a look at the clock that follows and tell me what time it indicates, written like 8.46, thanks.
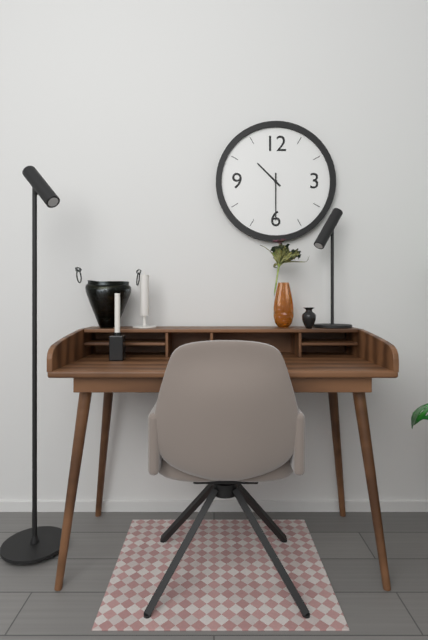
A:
10.30
